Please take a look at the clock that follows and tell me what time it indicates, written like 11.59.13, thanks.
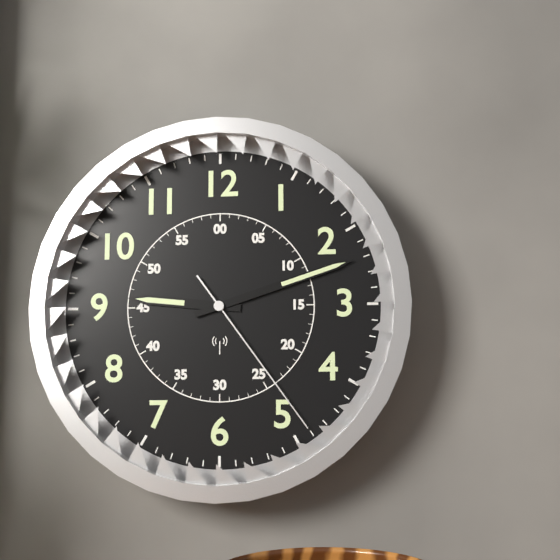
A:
9.12.24
